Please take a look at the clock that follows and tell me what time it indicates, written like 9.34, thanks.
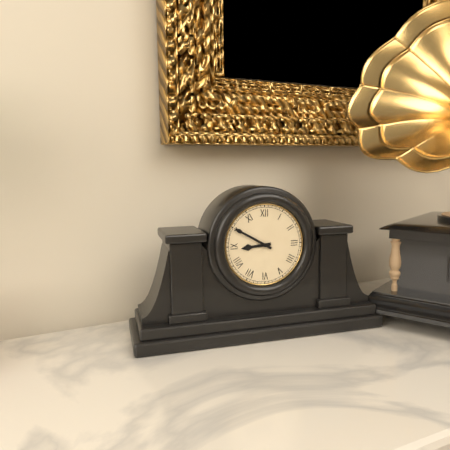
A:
8.50
